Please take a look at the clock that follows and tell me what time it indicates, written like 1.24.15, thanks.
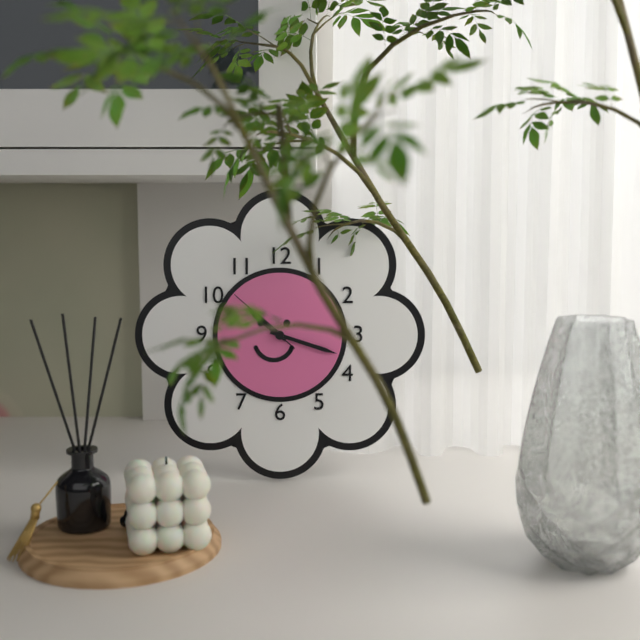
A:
10.18.52
